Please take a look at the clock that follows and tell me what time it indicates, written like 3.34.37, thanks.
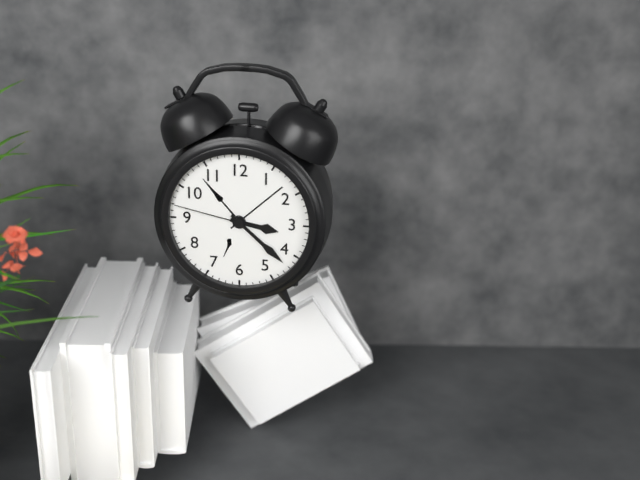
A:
3.22.47
